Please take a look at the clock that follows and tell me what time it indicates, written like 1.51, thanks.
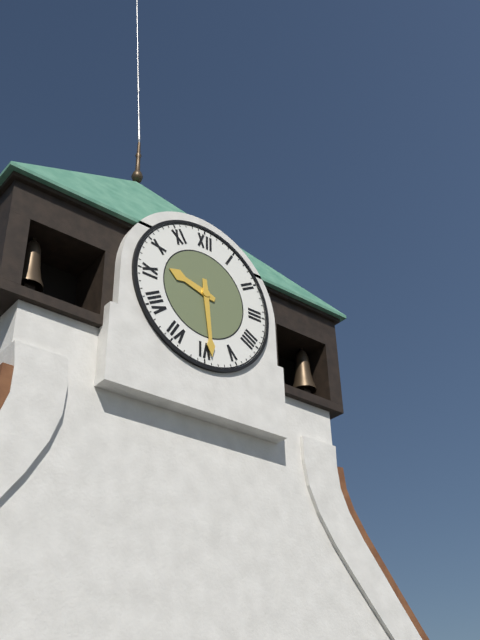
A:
9.29
